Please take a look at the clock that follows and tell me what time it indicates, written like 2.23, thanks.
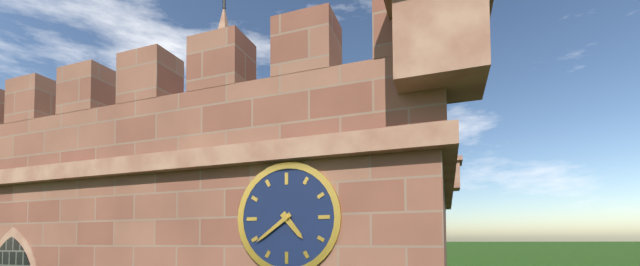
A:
4.39
